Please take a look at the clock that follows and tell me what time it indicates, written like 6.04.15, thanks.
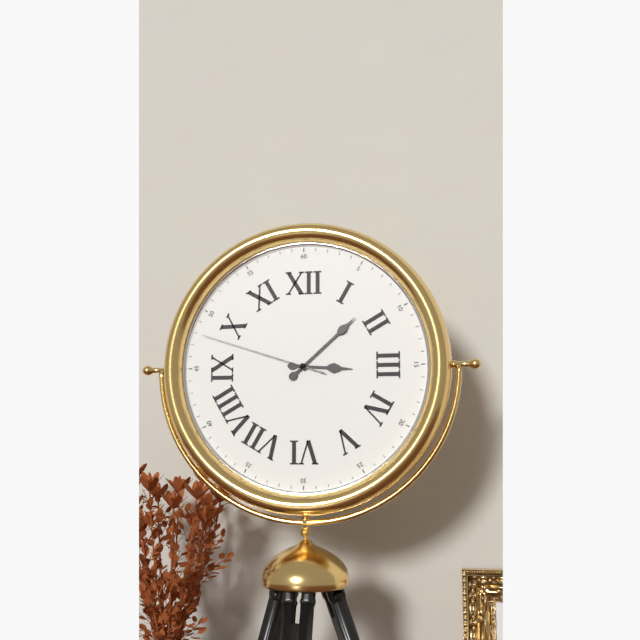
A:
3.08.48
